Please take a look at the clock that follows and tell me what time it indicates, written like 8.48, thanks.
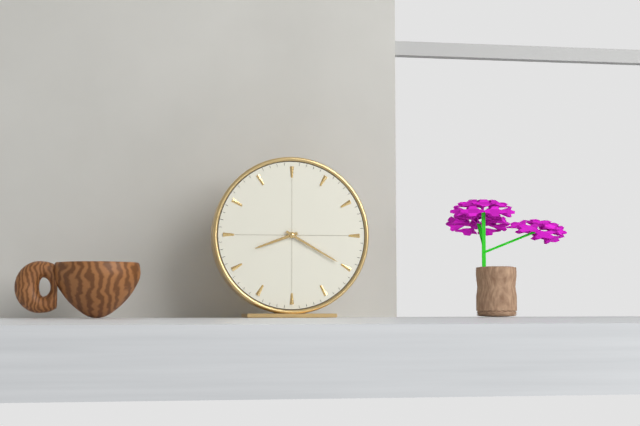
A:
8.20
